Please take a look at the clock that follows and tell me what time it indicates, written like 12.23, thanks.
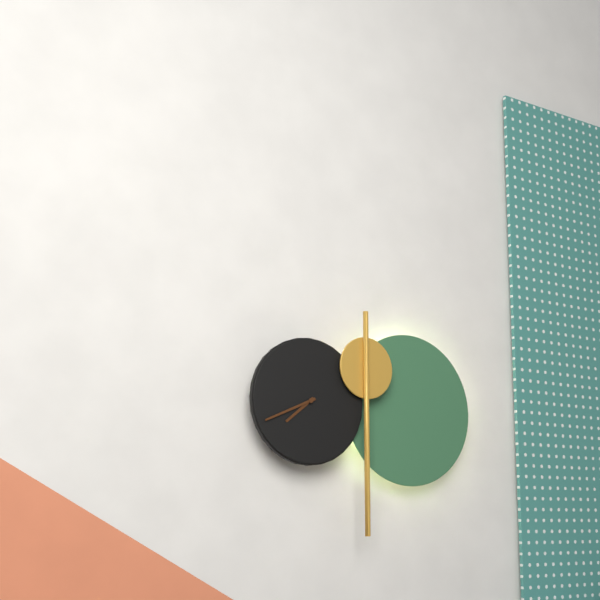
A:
7.41
